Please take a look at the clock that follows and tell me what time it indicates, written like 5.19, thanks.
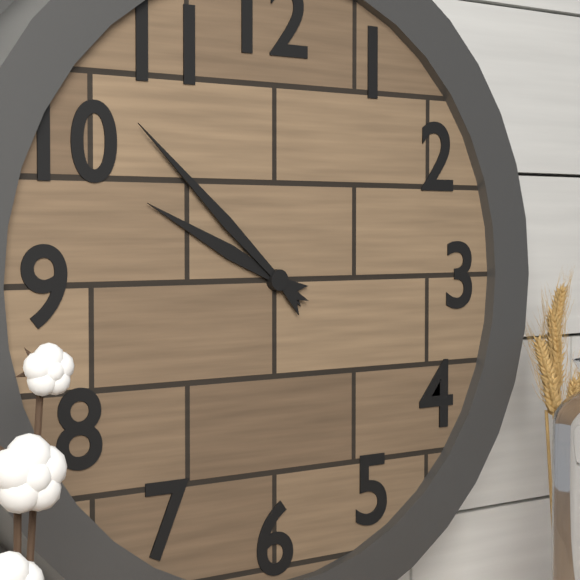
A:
9.52
